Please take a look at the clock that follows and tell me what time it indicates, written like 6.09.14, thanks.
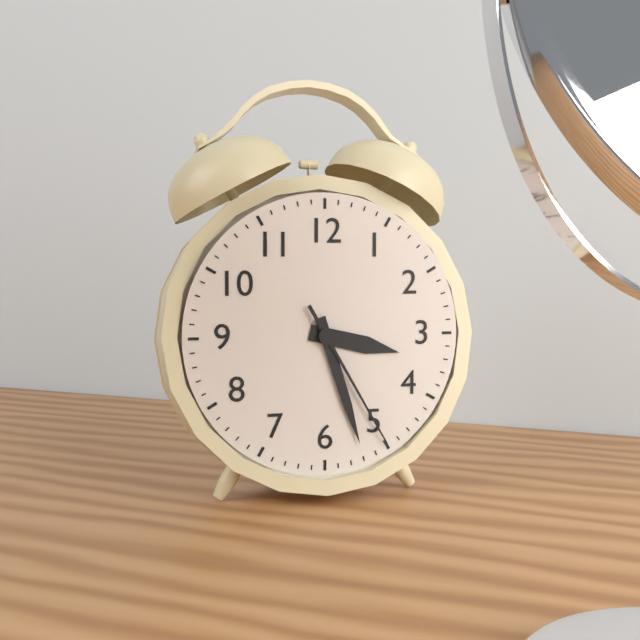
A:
3.27.25
